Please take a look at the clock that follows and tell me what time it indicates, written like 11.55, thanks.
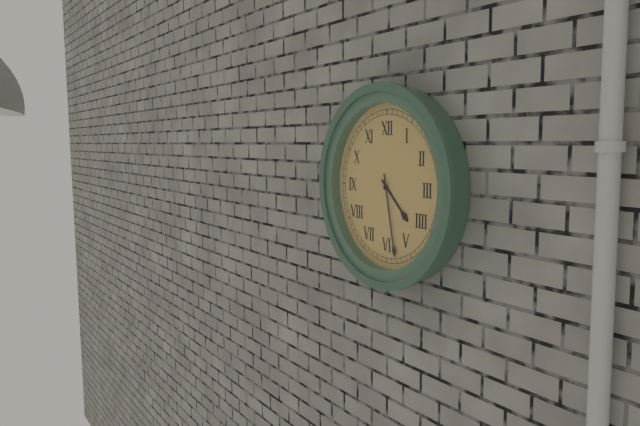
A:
4.28
